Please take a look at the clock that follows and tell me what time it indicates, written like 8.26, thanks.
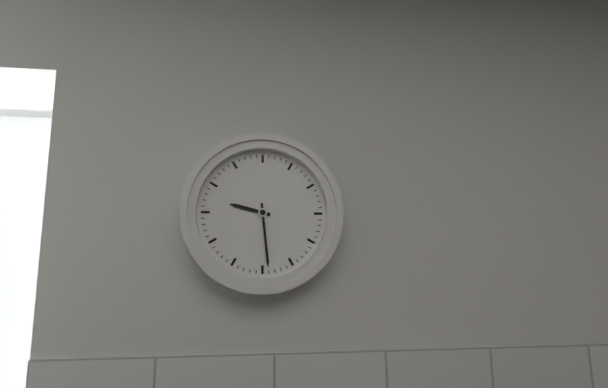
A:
9.29
